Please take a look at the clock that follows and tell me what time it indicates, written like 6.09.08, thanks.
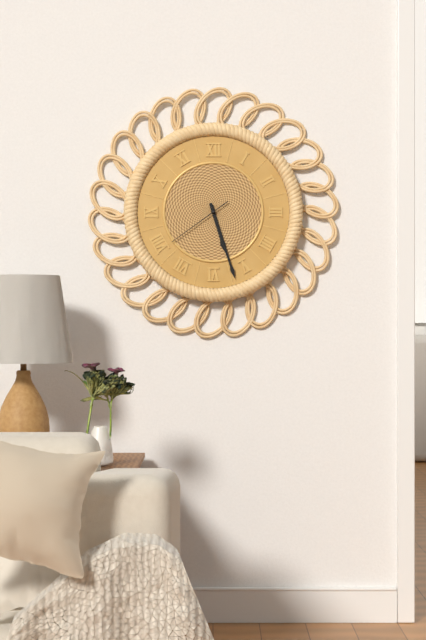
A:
5.27.39
